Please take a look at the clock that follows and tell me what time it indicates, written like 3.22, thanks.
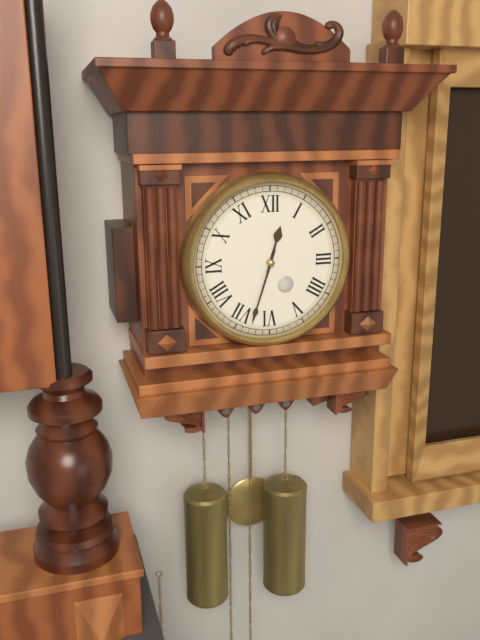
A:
12.33
